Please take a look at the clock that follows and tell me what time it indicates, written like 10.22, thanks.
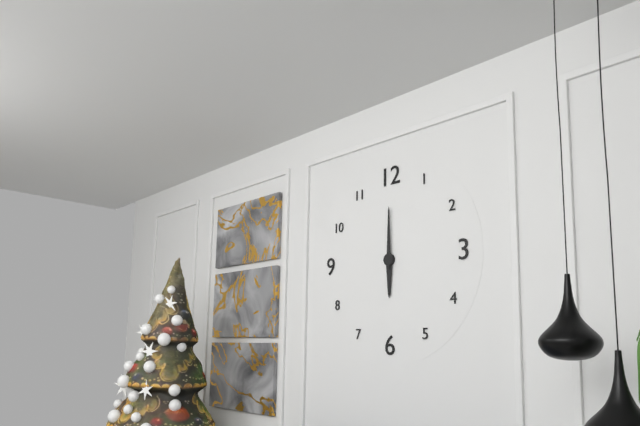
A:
6.00
